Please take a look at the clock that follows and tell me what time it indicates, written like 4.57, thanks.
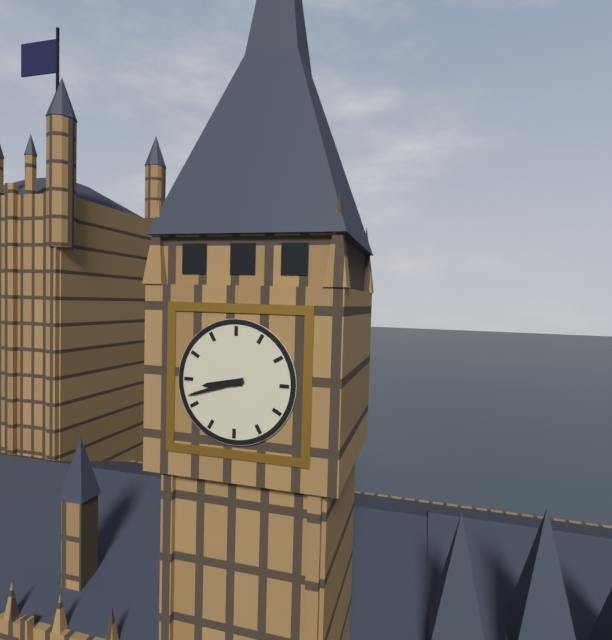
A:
8.42
